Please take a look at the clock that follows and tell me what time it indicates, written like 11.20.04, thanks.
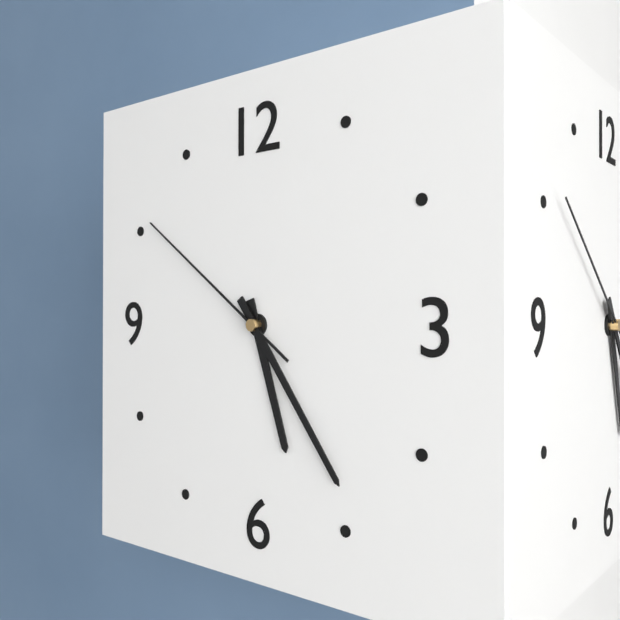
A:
5.24.51
